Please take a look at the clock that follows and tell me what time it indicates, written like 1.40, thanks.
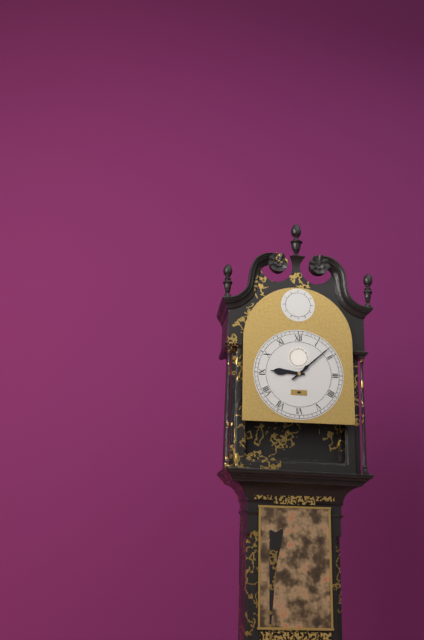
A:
9.08
